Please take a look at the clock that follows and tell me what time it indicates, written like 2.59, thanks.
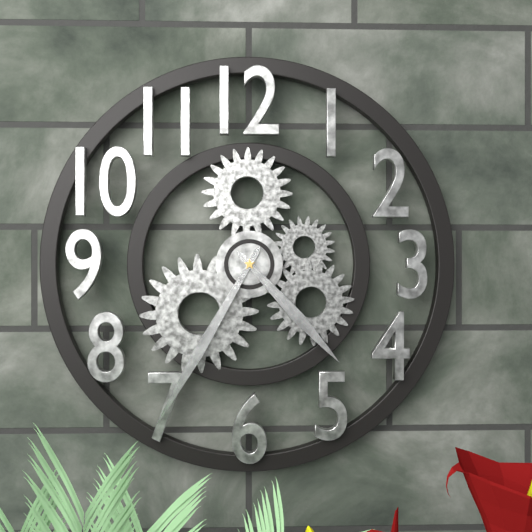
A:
4.35
